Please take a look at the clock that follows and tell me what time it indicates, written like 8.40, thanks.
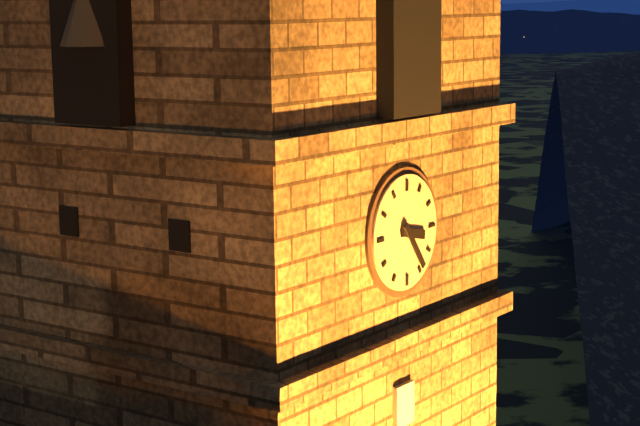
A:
3.24
